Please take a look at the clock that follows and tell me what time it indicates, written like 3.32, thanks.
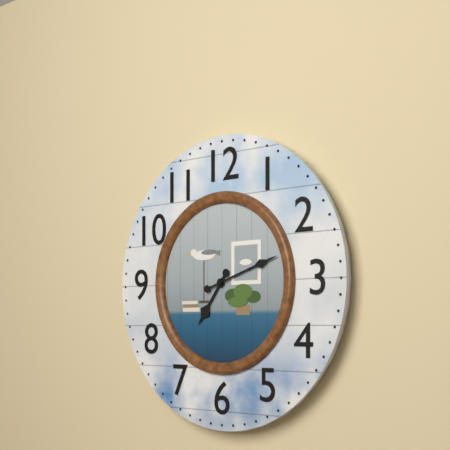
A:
7.12
